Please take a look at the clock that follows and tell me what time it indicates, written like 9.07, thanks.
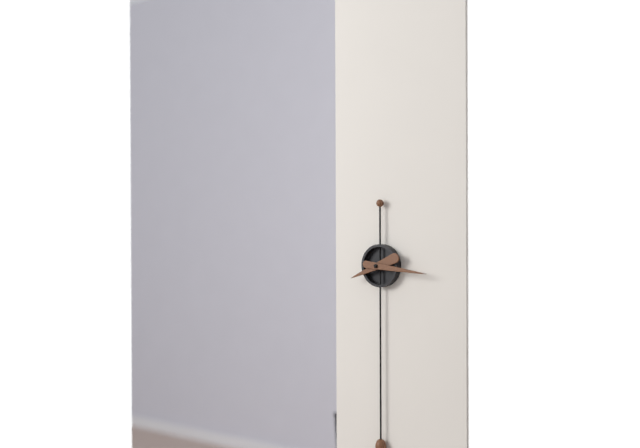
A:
8.16
